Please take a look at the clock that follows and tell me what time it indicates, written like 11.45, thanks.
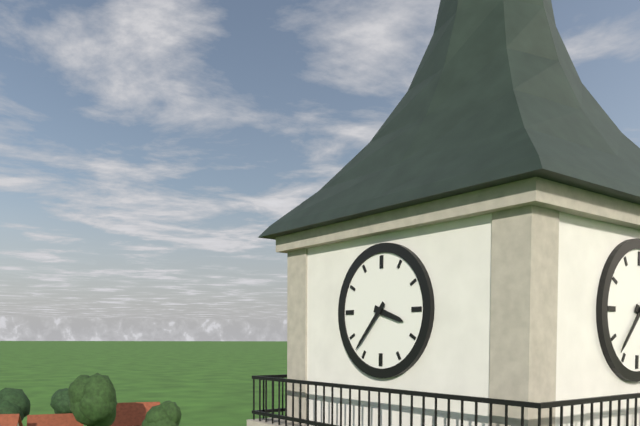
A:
3.37
